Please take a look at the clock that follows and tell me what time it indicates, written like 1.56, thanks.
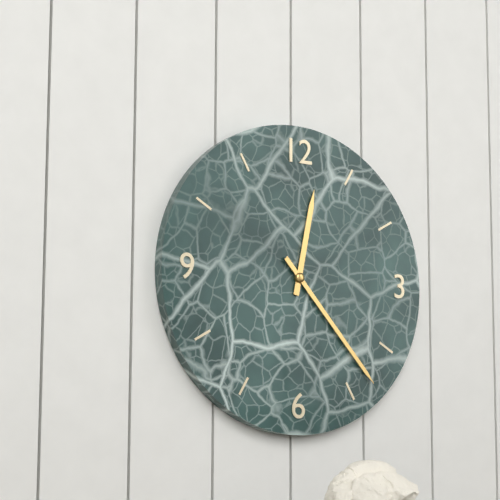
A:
12.23
